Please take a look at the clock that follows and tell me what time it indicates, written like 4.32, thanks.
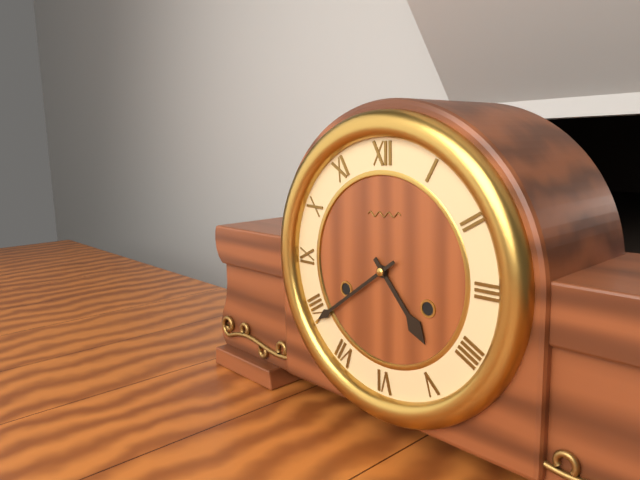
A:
4.39
